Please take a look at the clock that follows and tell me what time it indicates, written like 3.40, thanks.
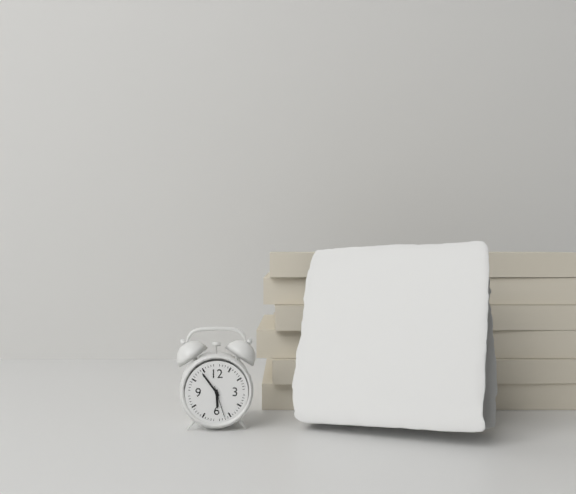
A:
5.54
